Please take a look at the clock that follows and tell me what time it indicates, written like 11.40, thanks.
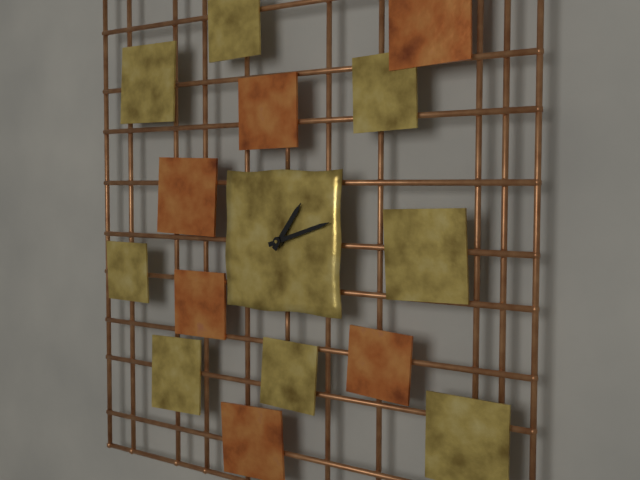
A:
1.12
